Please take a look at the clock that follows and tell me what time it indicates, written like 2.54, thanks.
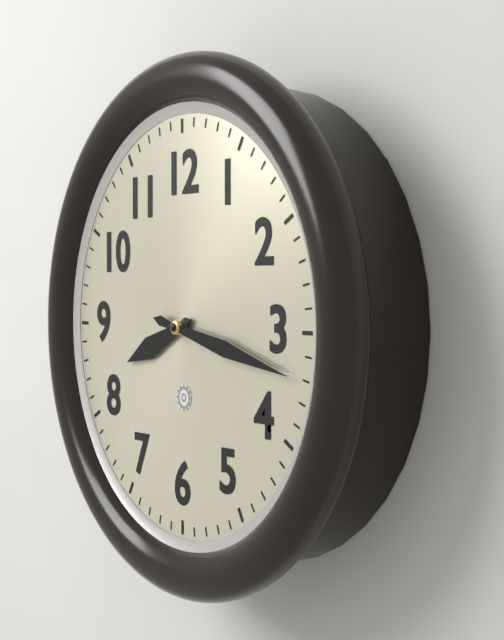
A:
8.17
